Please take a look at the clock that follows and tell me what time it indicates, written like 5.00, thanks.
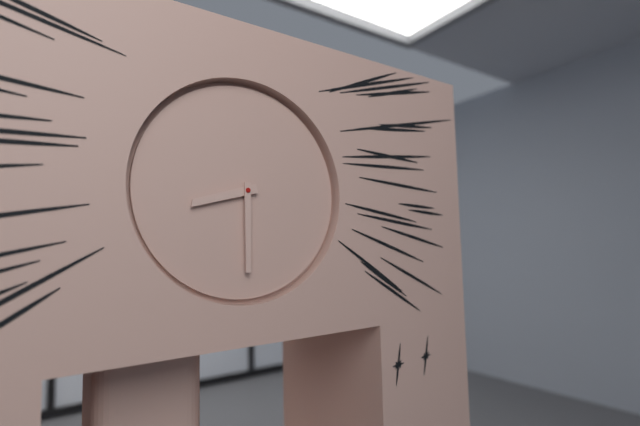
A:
8.30
